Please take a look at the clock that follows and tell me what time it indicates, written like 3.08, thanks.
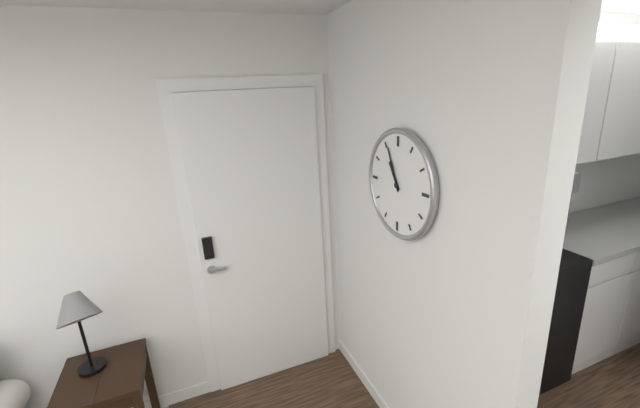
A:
10.56
